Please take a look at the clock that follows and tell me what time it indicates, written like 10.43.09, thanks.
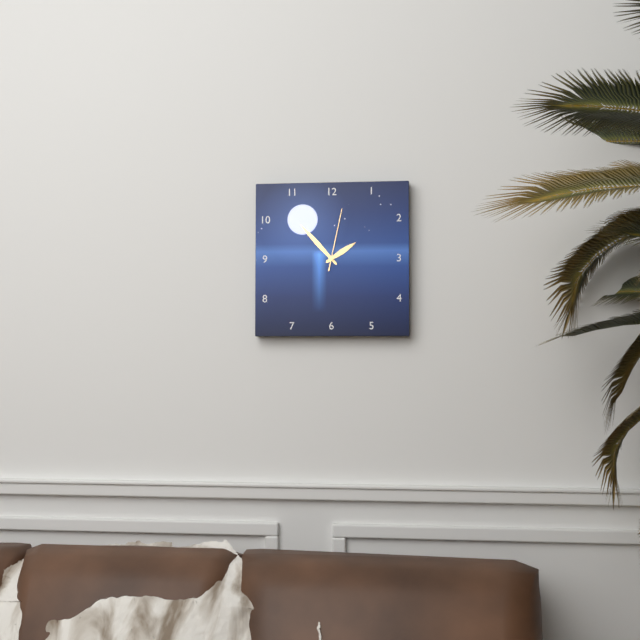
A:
1.53.02
